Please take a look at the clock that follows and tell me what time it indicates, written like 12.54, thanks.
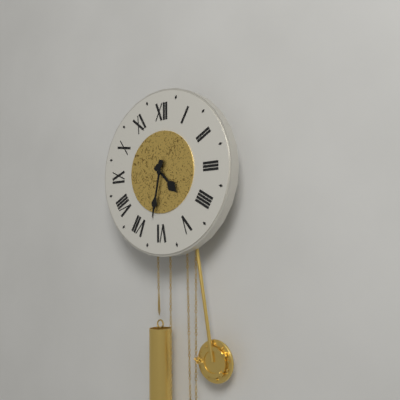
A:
4.32
